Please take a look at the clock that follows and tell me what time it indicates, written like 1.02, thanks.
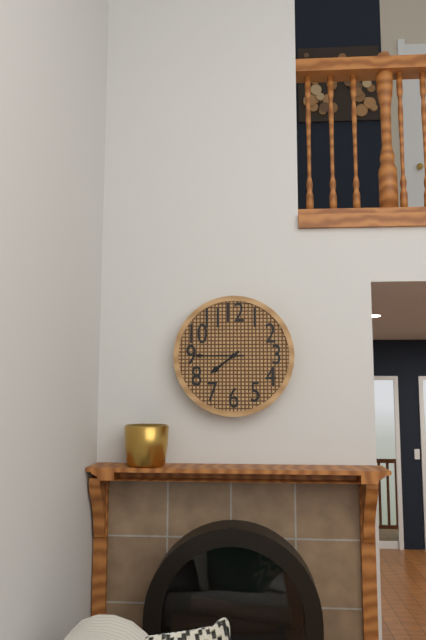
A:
7.45
